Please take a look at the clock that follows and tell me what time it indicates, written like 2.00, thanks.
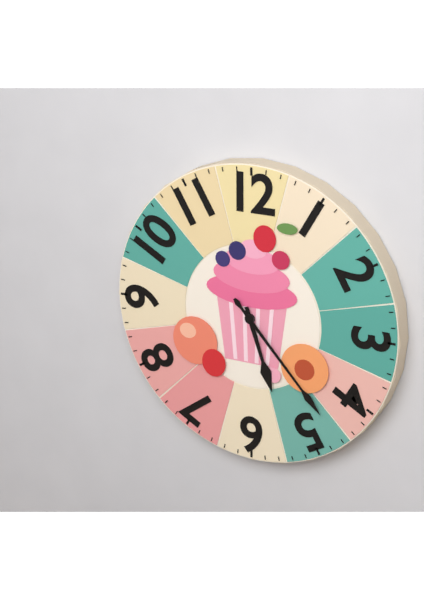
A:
5.23
